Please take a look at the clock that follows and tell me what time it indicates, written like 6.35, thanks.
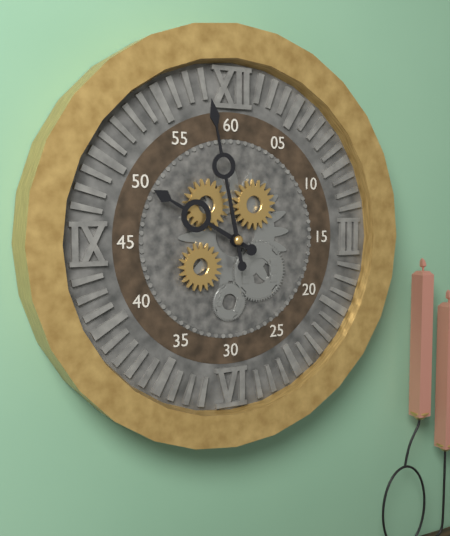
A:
9.58
